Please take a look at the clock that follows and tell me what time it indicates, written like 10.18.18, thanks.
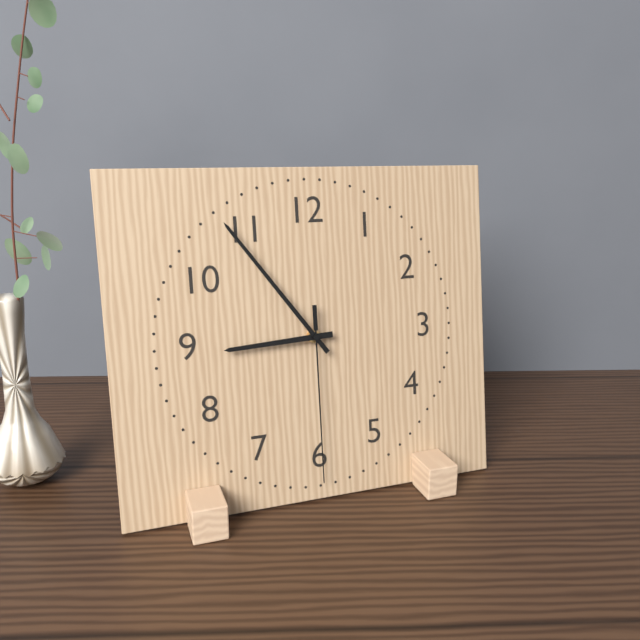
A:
8.54.30
